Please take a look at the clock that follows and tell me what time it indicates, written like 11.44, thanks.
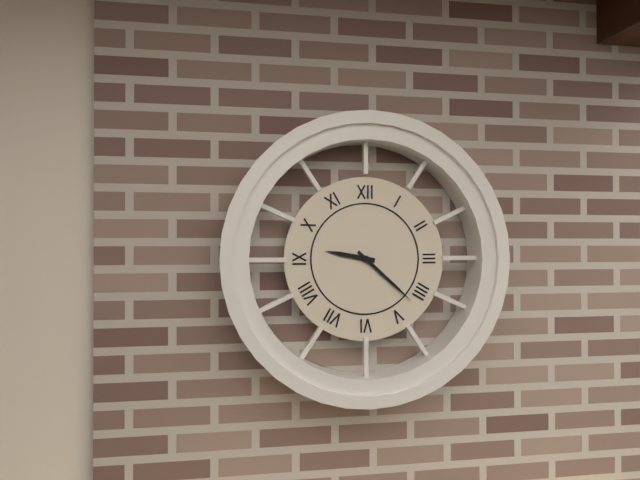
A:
9.22
